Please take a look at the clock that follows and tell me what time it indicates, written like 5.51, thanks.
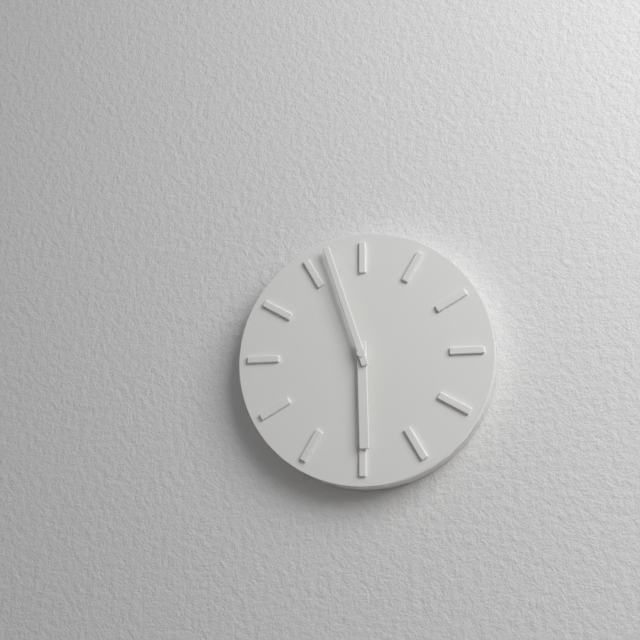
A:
5.57
